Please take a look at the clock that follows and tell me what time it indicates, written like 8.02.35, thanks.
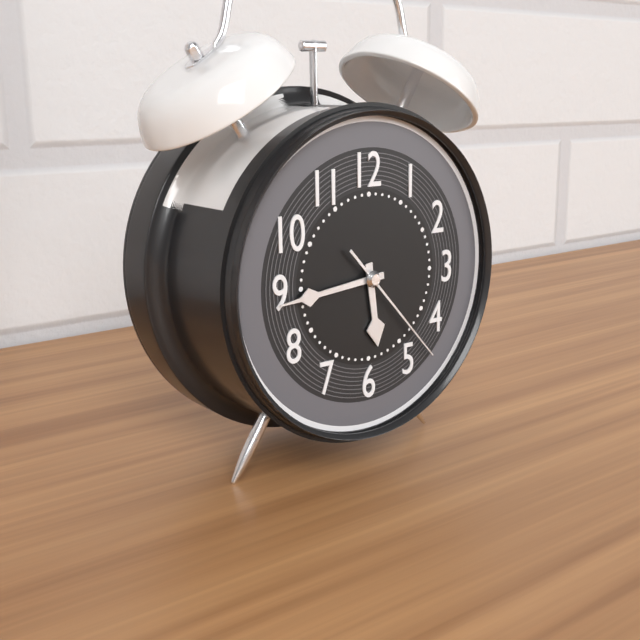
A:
5.44.23
